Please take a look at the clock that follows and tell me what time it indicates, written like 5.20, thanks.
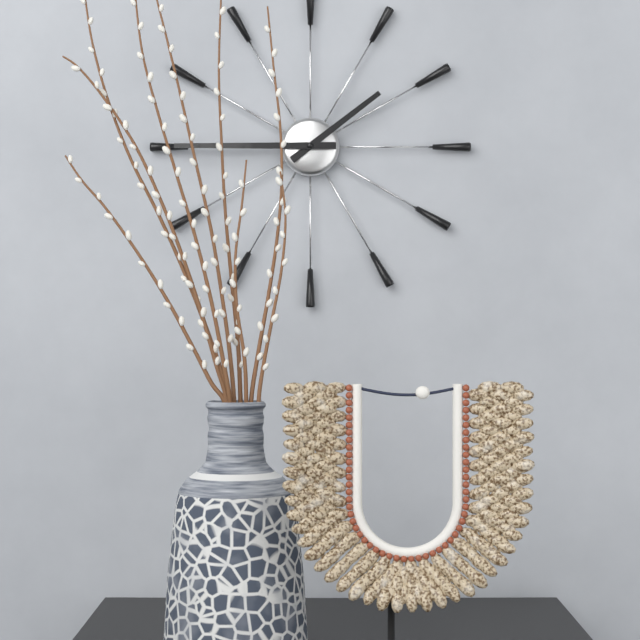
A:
1.45
